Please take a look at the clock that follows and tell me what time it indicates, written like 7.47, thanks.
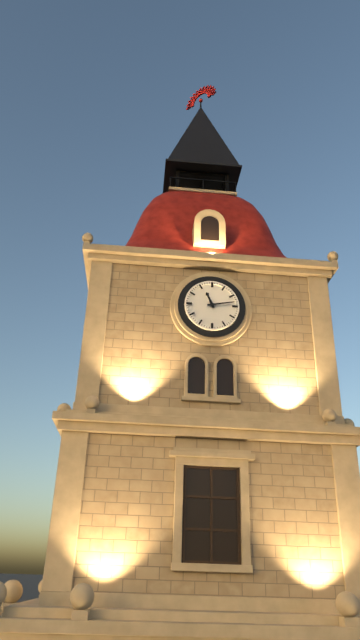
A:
11.13
